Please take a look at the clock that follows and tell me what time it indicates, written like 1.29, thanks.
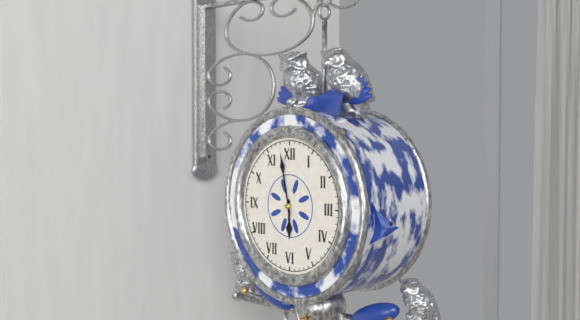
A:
5.58
